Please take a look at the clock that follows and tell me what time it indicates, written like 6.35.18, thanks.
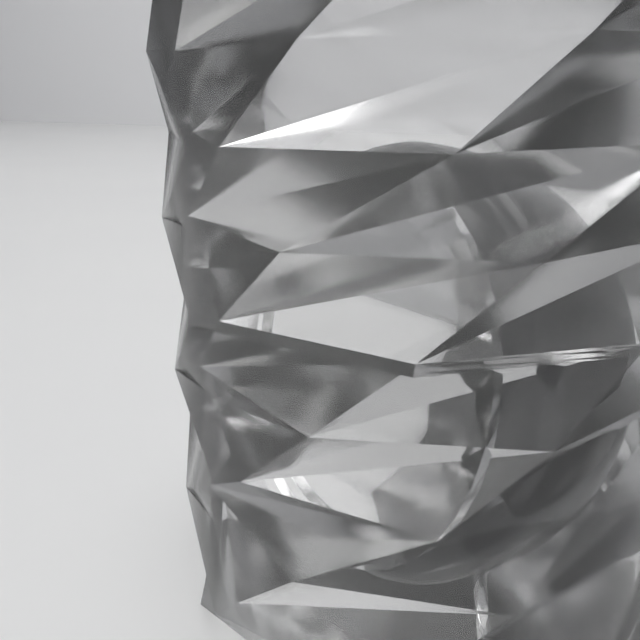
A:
12.45.33
